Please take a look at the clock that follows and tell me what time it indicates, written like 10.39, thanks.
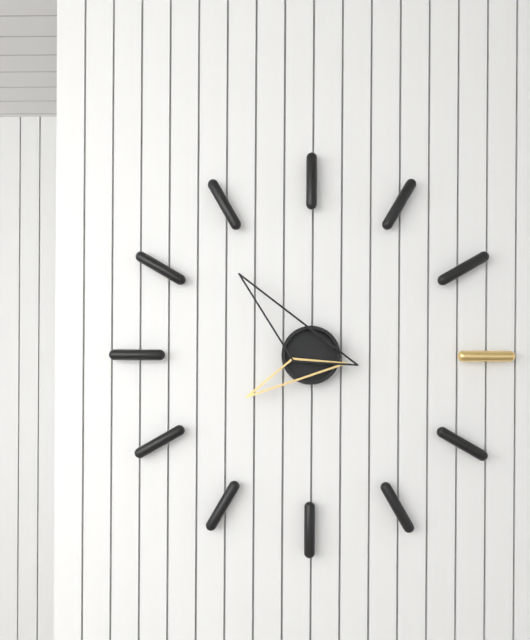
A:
7.53
